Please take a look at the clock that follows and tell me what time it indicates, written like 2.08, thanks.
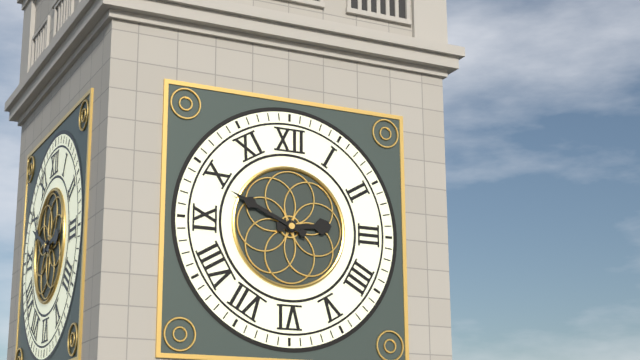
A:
2.49
